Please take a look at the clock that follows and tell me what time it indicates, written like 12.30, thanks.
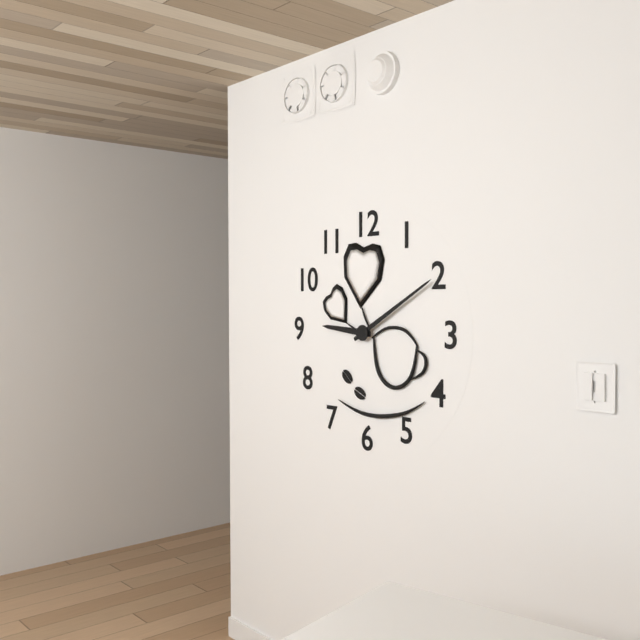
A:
9.10
